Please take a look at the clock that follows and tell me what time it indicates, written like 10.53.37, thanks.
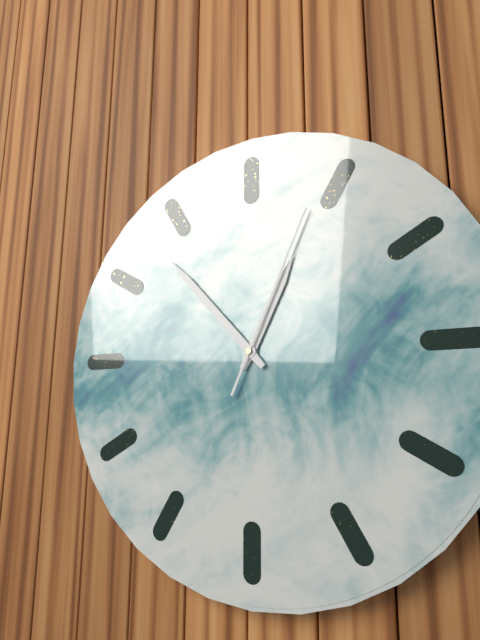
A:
12.53.04
